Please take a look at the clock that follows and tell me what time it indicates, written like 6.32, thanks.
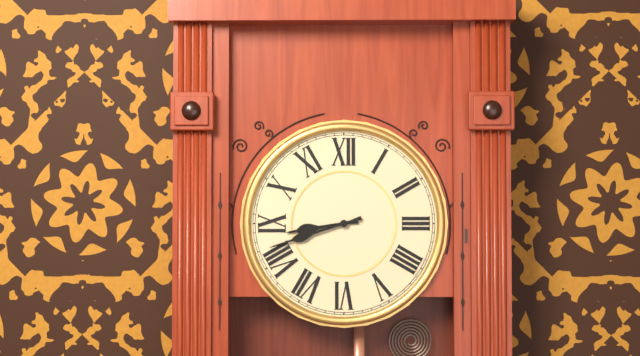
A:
8.42
